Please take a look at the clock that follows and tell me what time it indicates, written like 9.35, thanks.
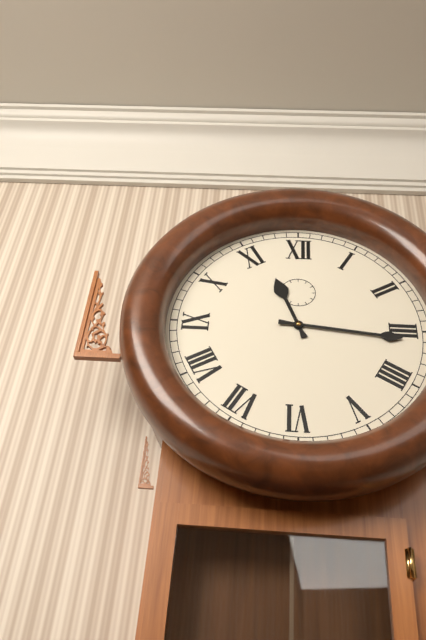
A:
11.16
